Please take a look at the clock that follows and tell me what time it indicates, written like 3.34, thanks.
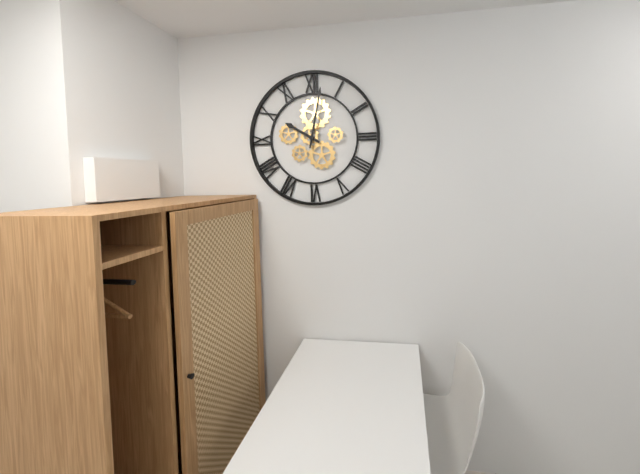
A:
10.02
